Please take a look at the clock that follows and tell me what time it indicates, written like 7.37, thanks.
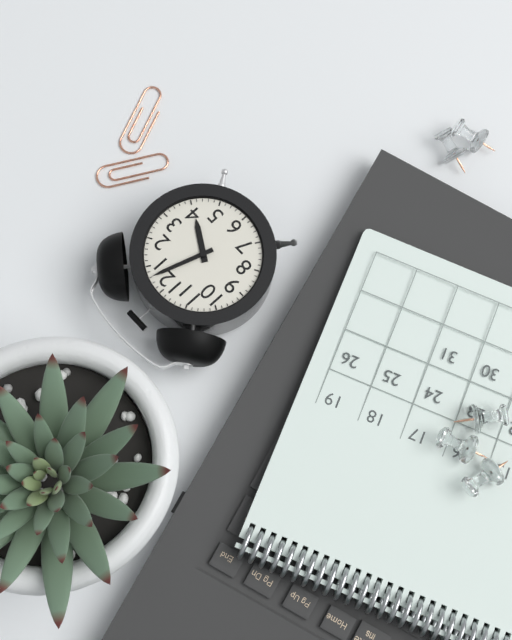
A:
4.03
